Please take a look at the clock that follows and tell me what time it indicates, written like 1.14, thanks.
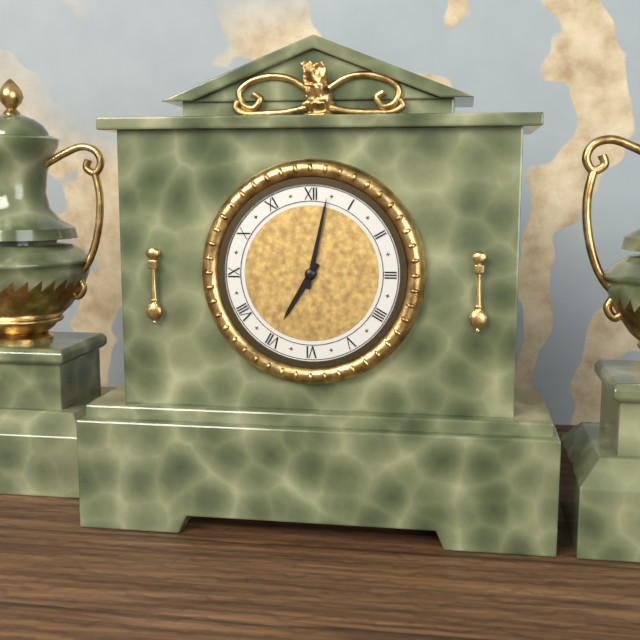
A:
7.02
